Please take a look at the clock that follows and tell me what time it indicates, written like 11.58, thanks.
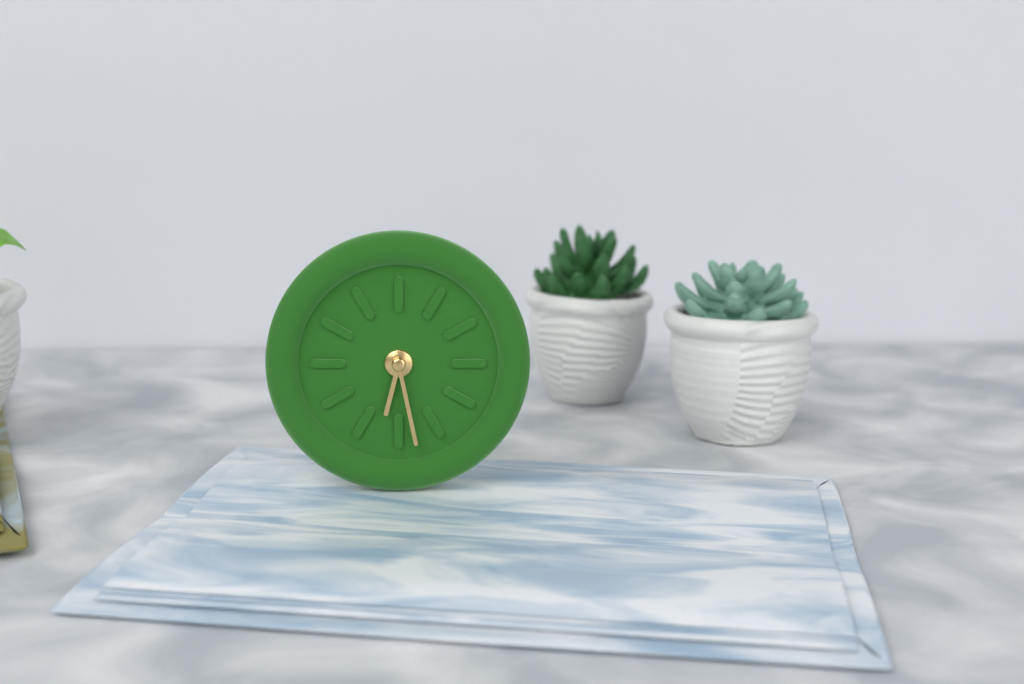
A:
6.28
